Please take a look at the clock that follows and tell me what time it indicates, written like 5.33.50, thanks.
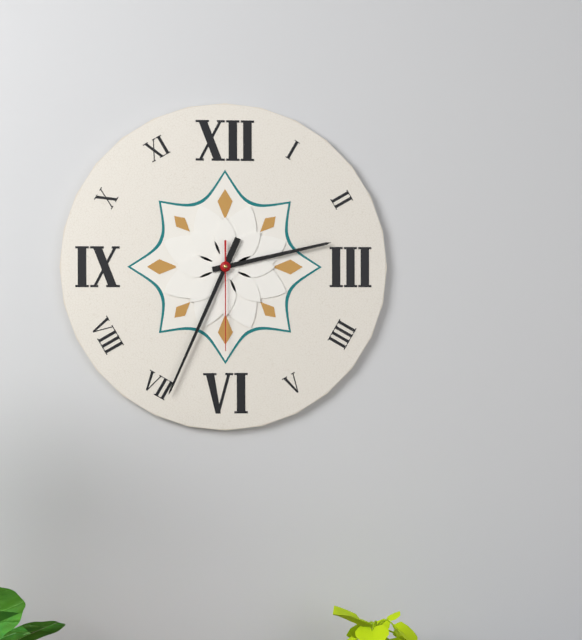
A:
2.34.30
